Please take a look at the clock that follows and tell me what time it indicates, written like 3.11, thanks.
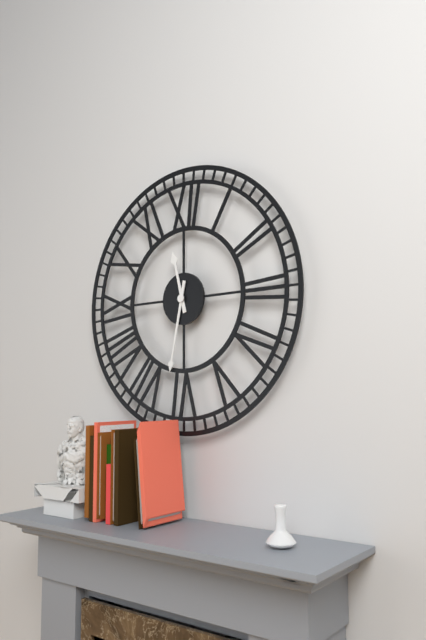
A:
11.32
